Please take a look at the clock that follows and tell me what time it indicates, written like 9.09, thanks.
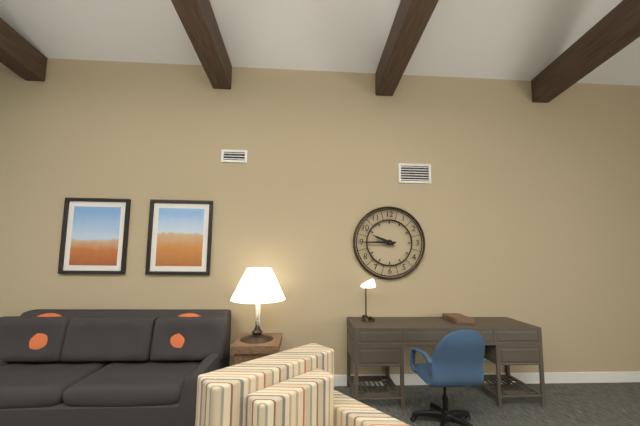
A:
9.45
